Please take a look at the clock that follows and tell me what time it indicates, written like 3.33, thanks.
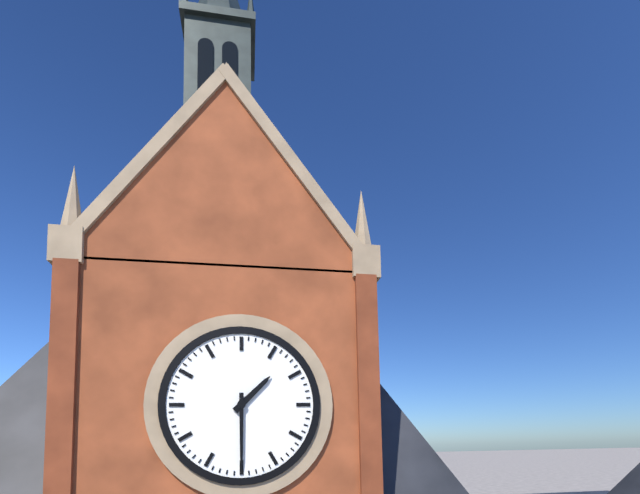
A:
1.30
